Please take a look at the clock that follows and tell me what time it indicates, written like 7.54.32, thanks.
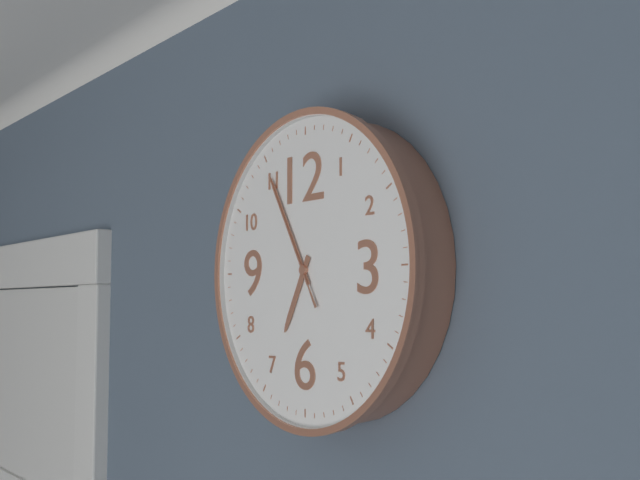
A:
6.55.55
